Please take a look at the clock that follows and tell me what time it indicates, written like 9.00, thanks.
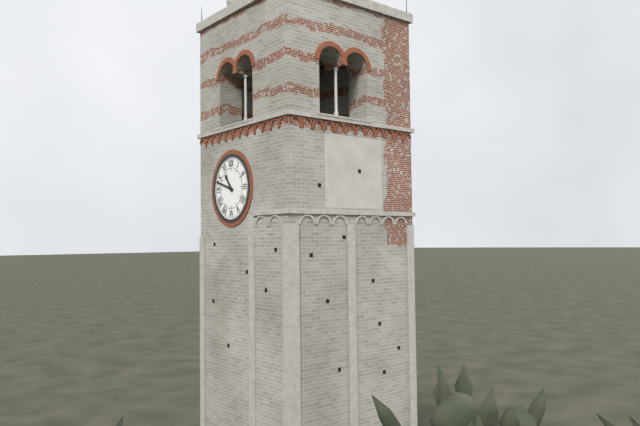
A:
10.48
